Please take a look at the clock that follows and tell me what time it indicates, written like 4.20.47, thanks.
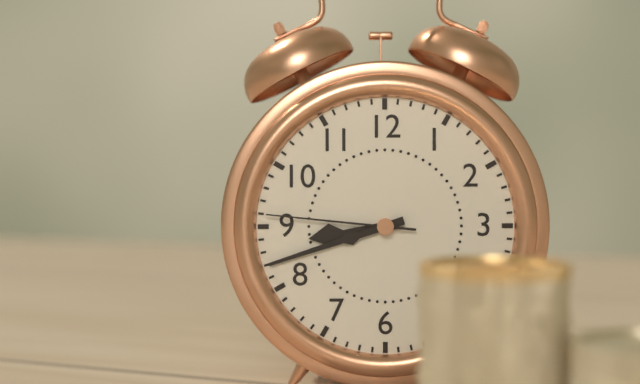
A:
8.42.46
